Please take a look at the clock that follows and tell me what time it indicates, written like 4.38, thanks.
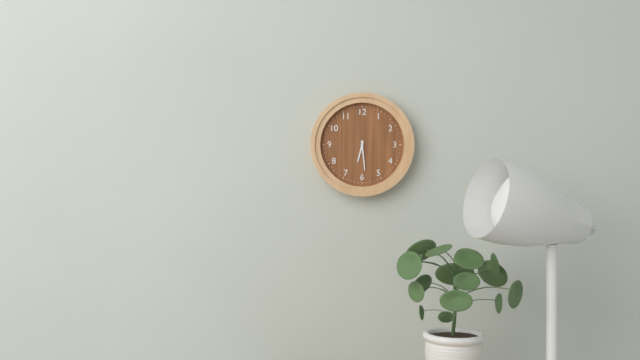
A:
6.29
